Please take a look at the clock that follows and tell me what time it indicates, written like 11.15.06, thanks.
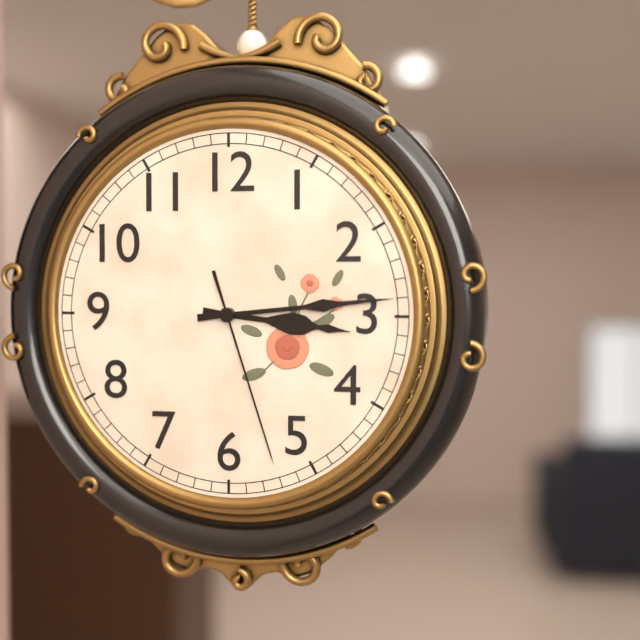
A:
3.14.27
